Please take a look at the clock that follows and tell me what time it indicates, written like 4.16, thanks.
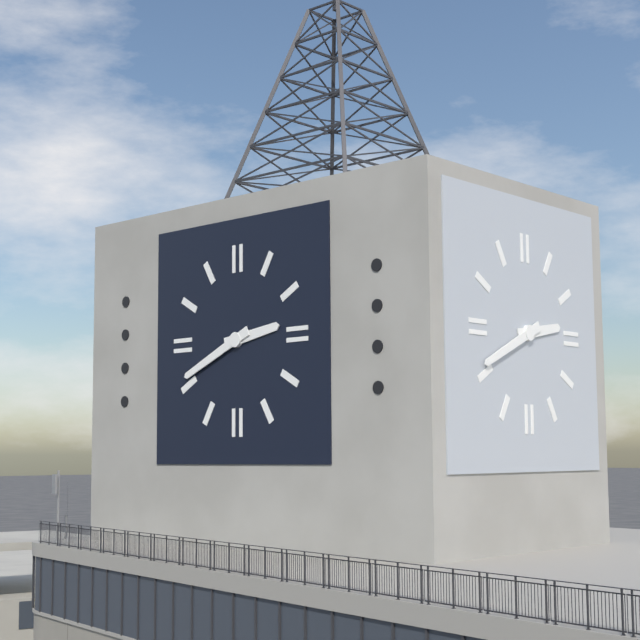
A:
2.41
